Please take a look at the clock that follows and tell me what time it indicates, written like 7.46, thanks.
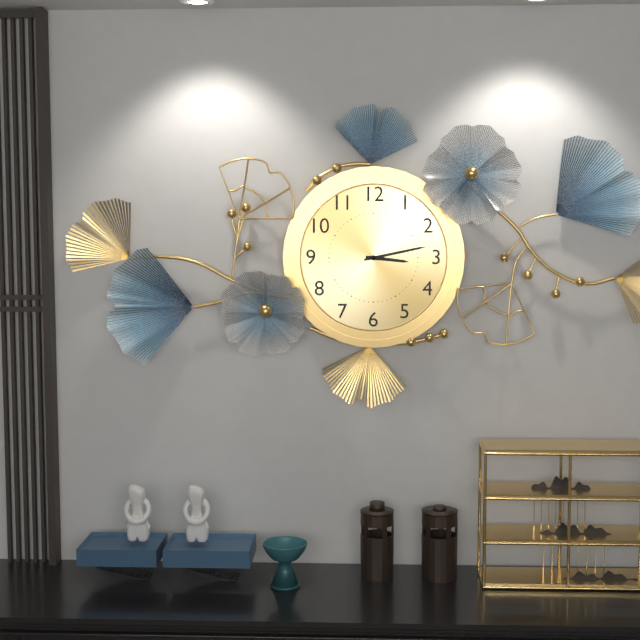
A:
3.13
